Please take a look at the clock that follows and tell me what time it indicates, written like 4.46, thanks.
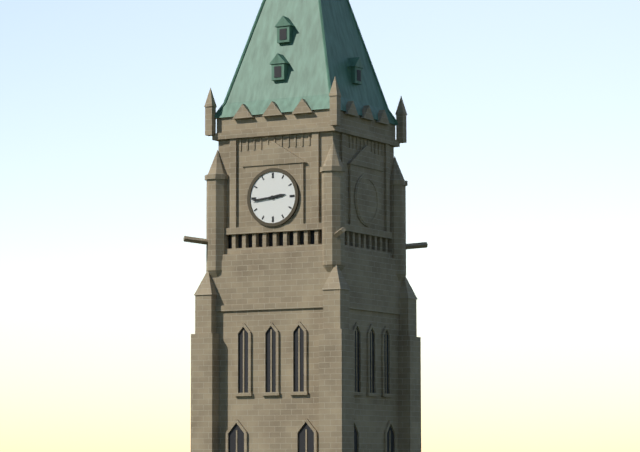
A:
2.44
